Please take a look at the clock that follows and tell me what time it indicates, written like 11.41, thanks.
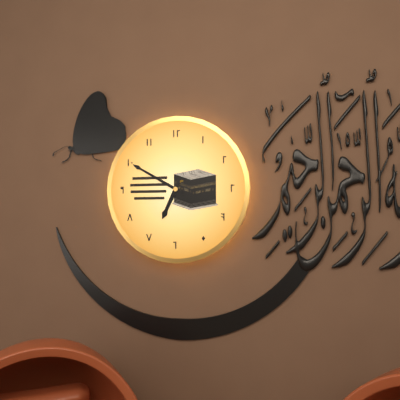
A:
6.50
